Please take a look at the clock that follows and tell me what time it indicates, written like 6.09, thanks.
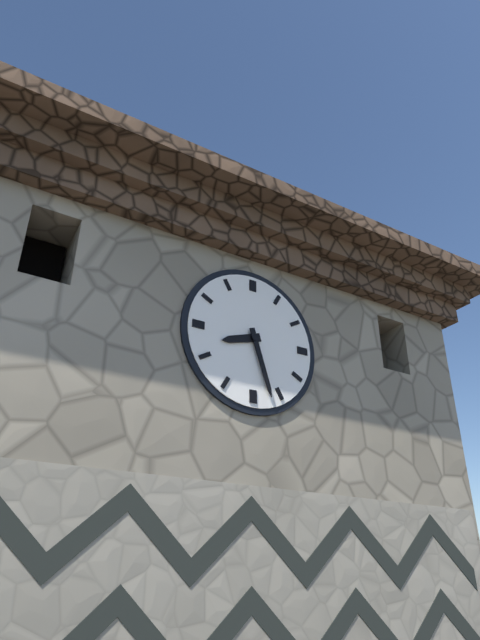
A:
8.27
